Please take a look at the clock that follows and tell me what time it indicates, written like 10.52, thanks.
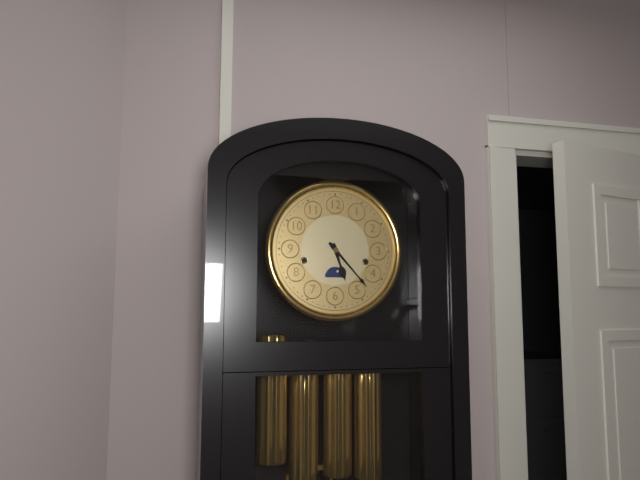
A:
5.23
